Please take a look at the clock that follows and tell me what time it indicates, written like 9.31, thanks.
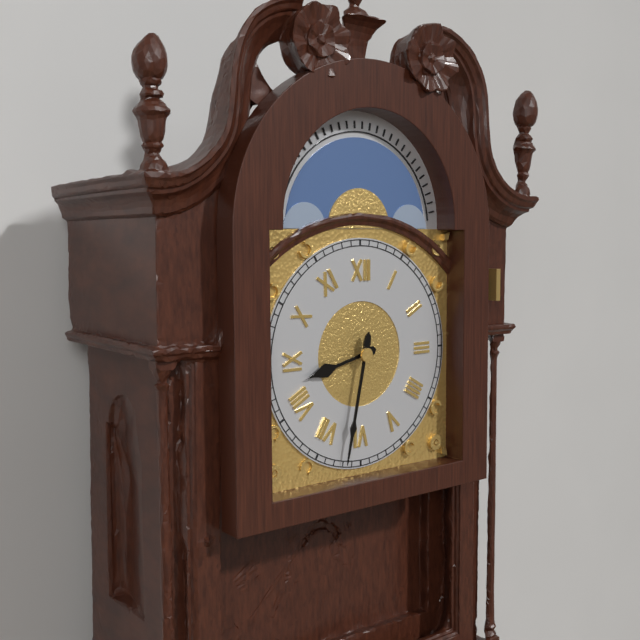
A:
8.32
